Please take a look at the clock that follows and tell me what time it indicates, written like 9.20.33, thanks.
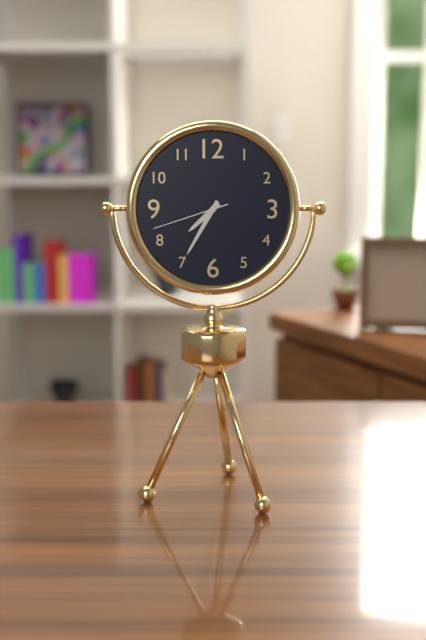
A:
7.35.42
